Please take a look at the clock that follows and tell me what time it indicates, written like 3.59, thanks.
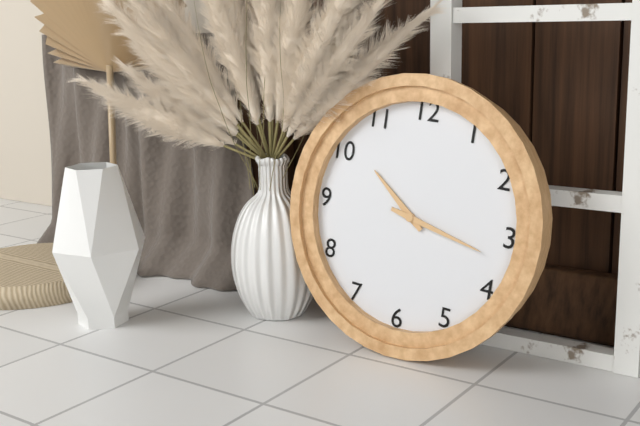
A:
10.17
